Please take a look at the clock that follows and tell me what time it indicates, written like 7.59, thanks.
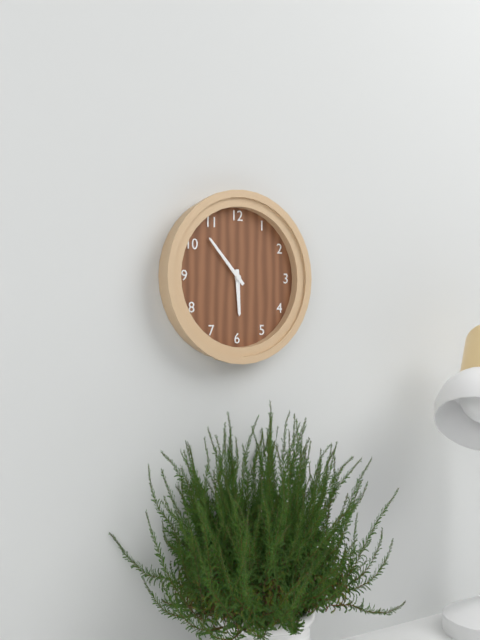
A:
5.53
